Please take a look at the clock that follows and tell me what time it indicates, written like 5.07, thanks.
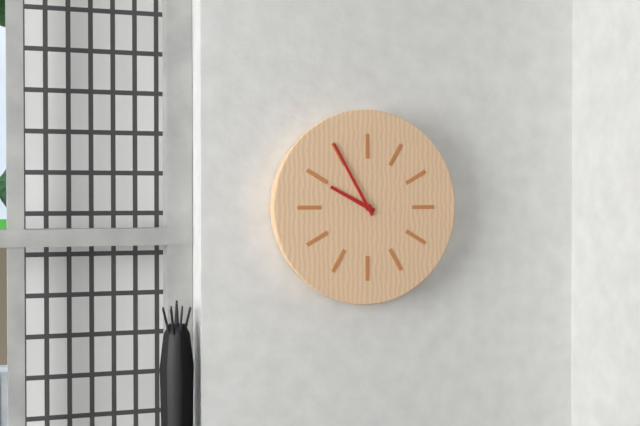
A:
9.55
